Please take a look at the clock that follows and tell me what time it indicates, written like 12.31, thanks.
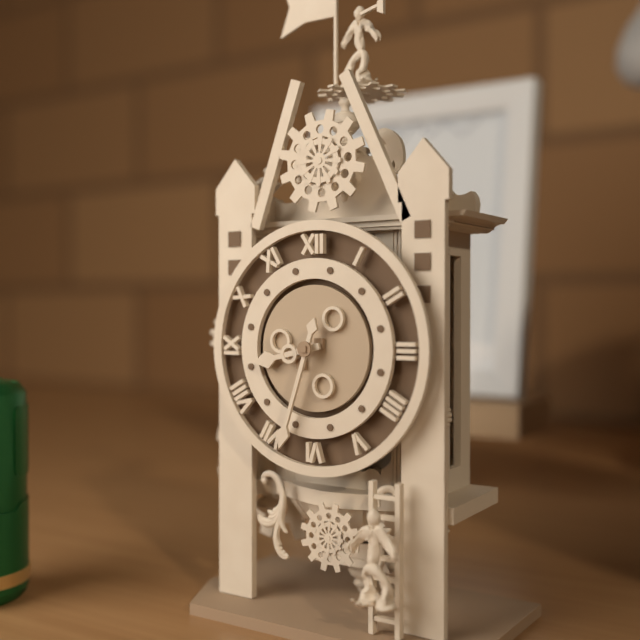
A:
8.33
